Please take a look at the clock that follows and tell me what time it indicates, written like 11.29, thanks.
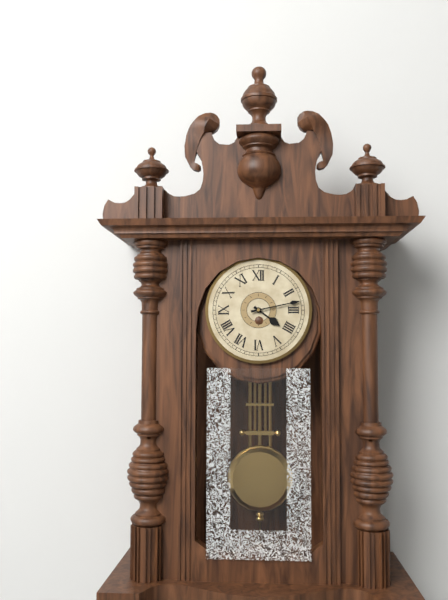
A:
4.13
